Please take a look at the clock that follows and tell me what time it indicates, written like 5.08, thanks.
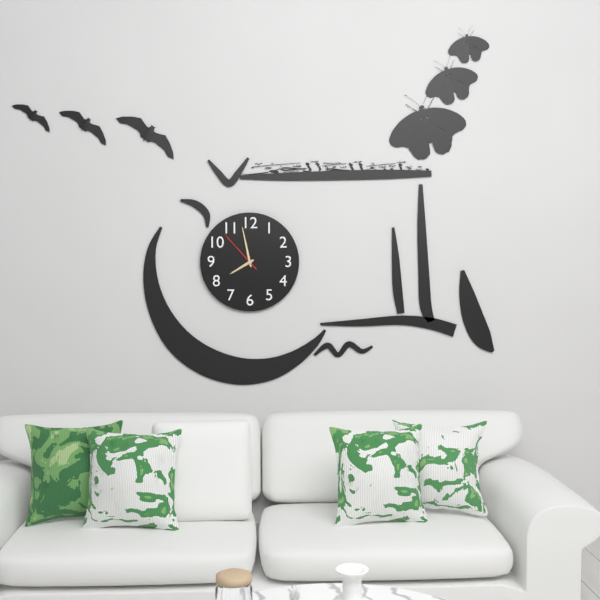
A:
7.58
